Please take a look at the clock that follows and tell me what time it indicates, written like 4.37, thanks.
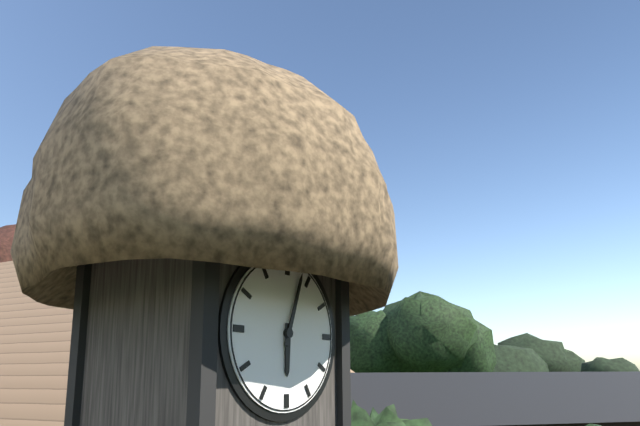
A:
6.03
